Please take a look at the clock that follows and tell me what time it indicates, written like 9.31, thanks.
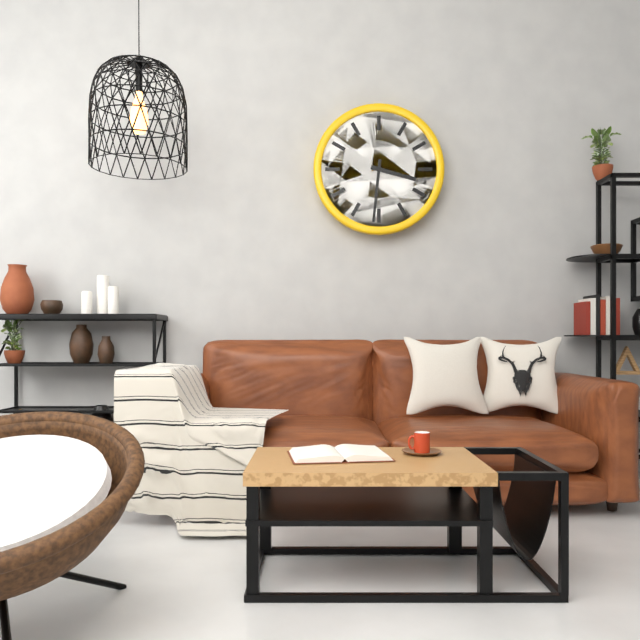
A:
3.31
